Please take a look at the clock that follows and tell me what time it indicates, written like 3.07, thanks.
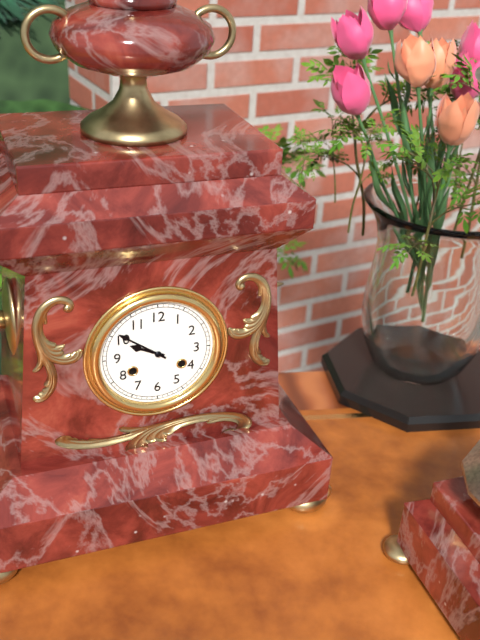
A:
9.51
